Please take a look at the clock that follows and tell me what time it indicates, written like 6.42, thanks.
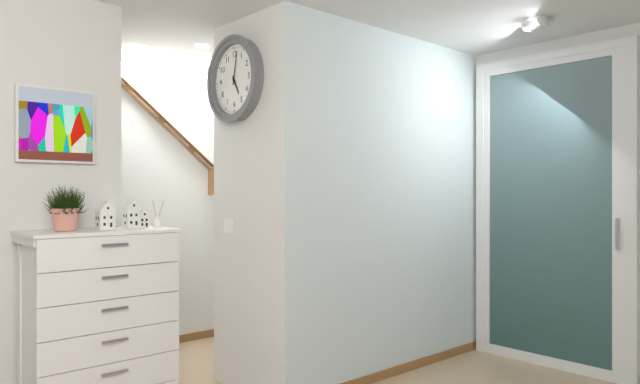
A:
5.02
